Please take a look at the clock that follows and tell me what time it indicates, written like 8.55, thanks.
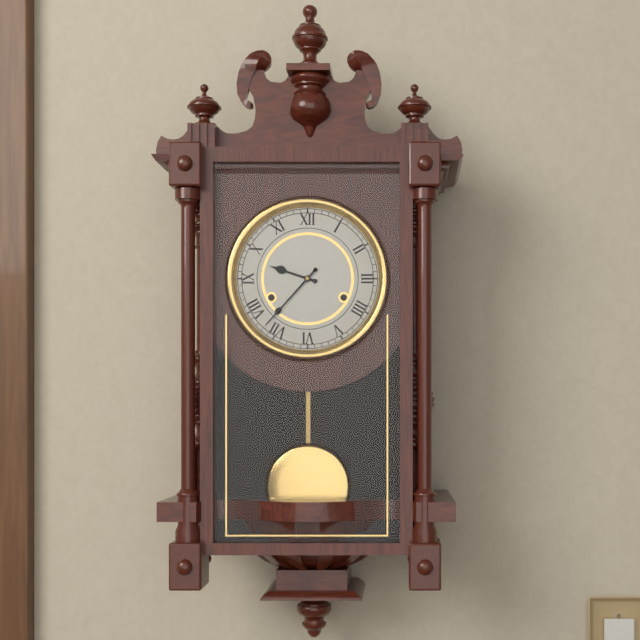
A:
9.37
